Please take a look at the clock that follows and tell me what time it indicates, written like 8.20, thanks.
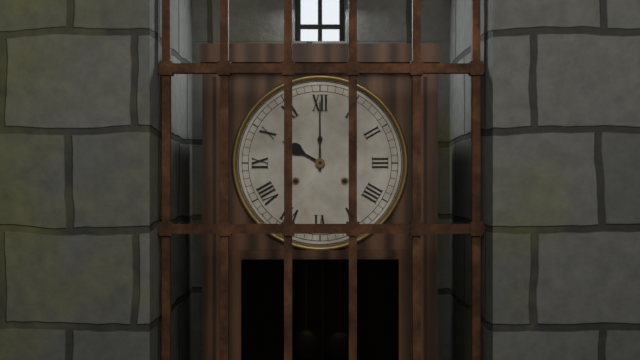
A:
10.00
